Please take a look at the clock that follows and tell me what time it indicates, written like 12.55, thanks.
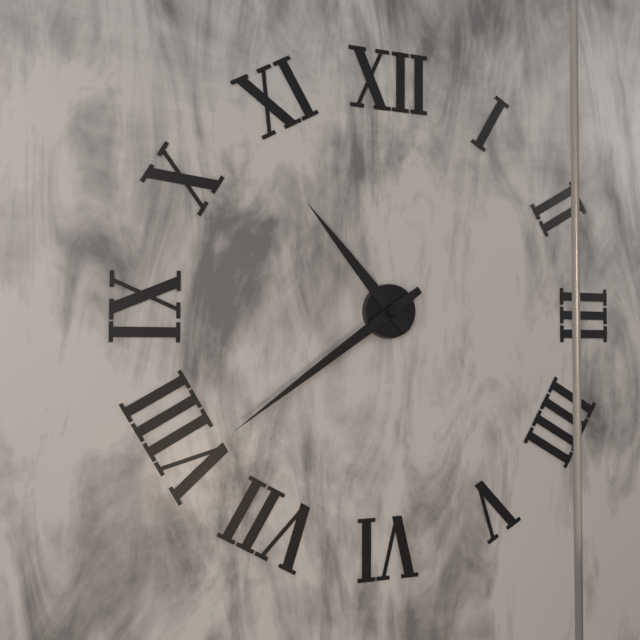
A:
10.39
